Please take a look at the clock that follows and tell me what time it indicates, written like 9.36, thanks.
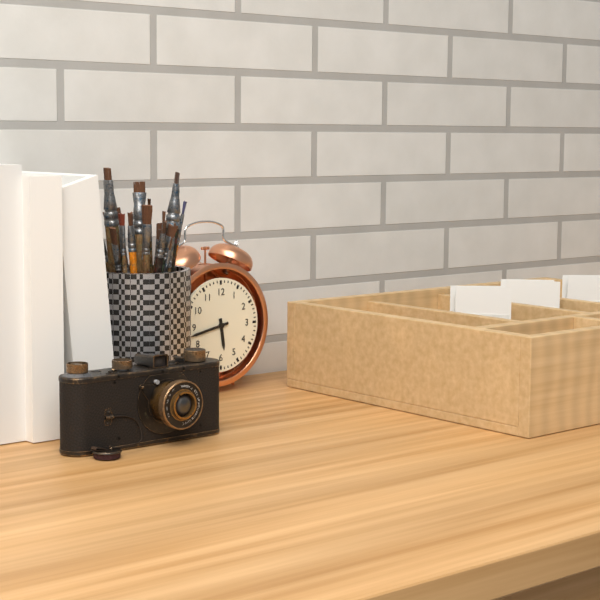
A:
5.43
